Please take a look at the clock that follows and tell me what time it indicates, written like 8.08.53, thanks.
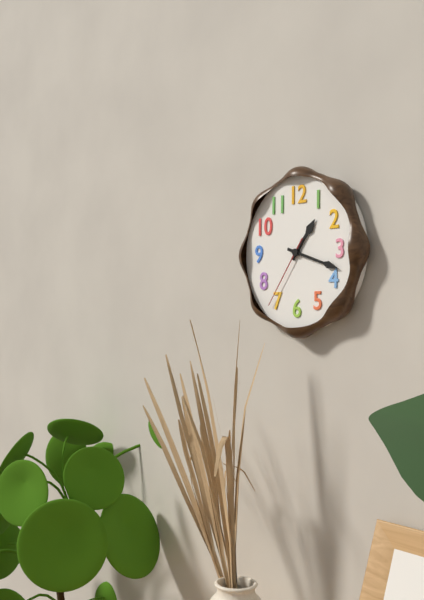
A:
1.18.36
